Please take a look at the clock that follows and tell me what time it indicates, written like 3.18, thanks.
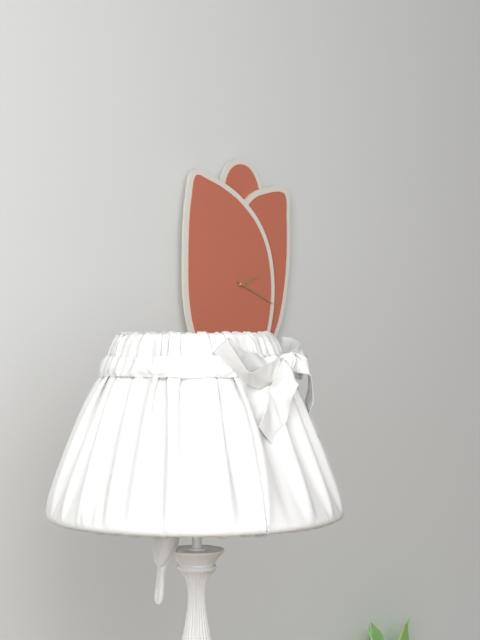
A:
2.19
